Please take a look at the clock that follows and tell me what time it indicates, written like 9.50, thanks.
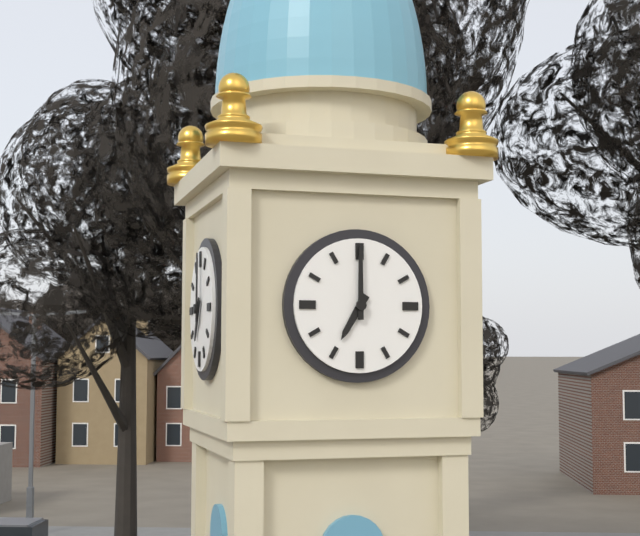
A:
7.00
